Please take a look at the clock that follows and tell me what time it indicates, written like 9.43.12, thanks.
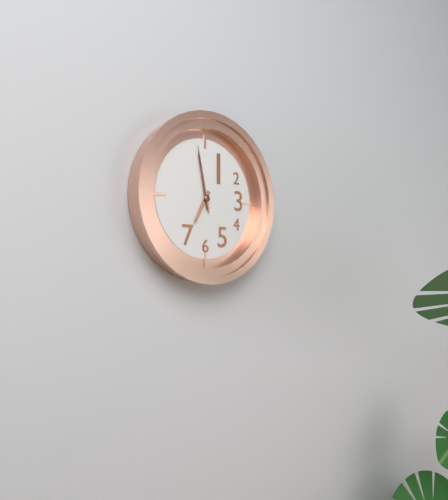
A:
6.58.58
